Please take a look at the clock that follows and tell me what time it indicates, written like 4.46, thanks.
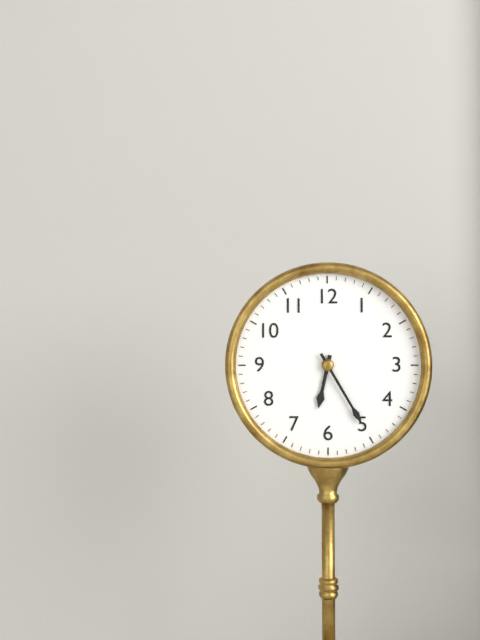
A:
6.25
